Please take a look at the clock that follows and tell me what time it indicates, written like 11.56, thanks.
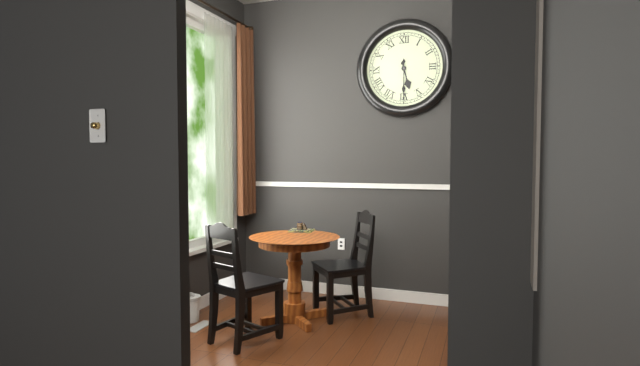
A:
5.30
